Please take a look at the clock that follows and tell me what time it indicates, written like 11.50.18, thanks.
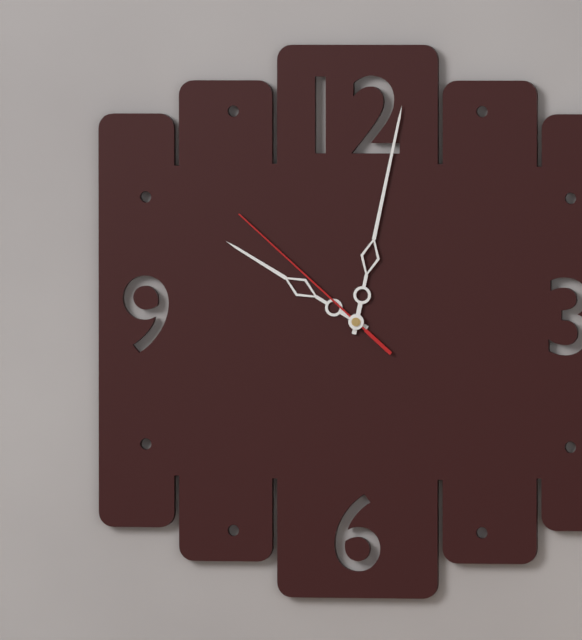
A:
10.02.52
